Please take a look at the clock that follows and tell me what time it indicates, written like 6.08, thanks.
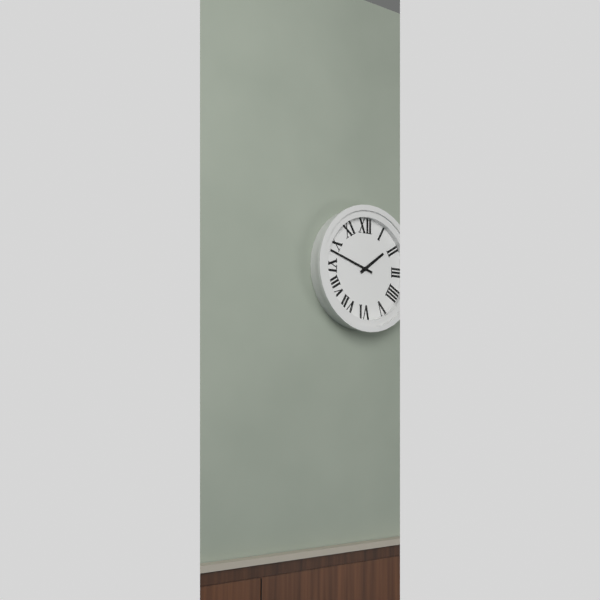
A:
1.48
